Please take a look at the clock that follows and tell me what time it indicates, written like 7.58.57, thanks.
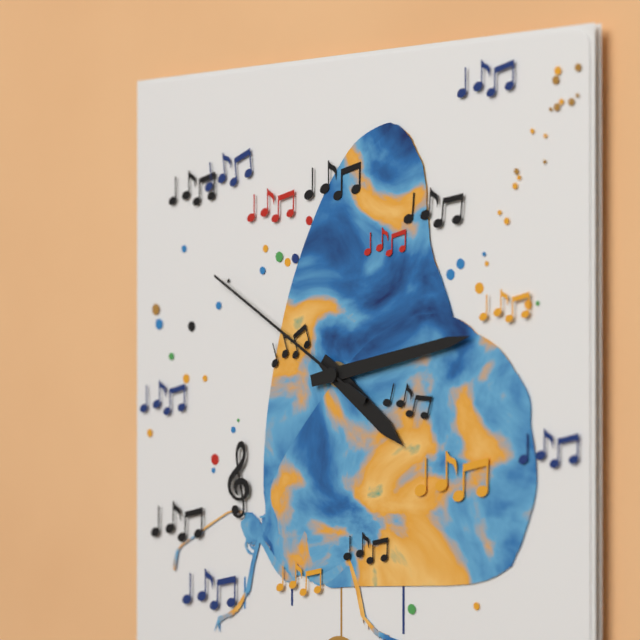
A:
4.13.50
